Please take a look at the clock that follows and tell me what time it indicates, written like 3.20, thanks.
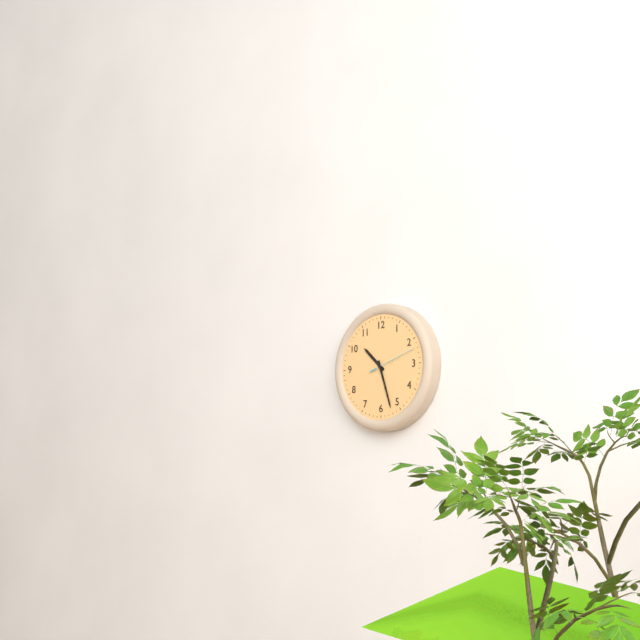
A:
10.27
